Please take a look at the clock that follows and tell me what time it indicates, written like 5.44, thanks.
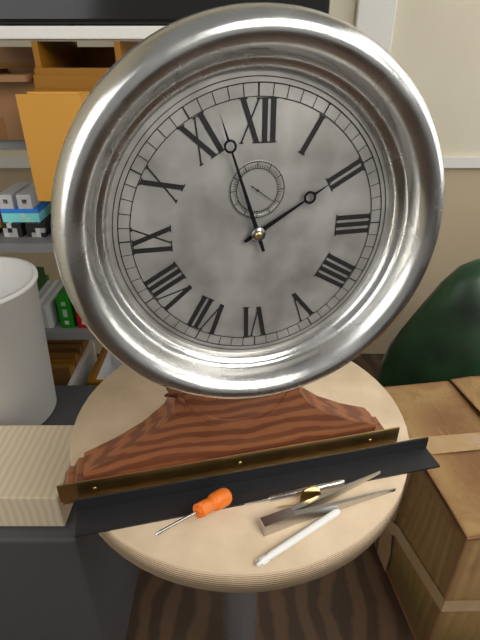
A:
1.57
